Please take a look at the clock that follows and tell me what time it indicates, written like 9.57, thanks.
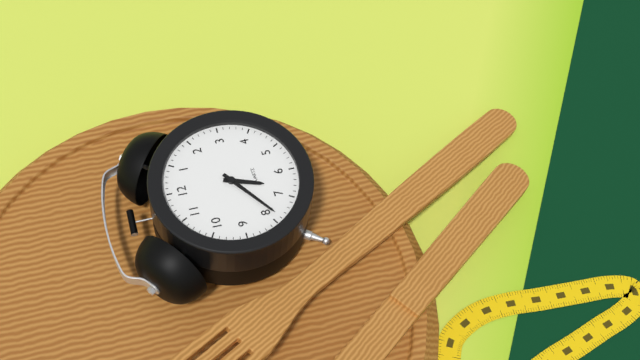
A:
6.39
